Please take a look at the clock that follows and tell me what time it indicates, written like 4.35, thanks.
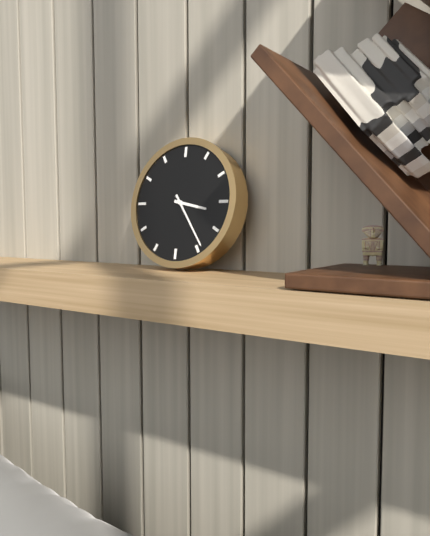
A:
3.24
